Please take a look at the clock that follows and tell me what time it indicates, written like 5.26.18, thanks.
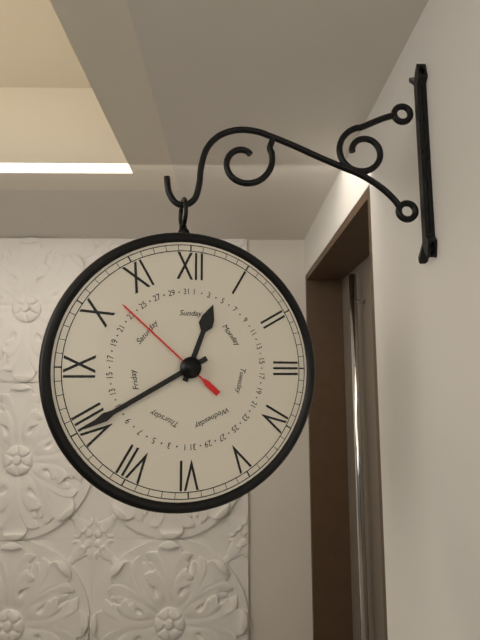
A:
12.40.52
